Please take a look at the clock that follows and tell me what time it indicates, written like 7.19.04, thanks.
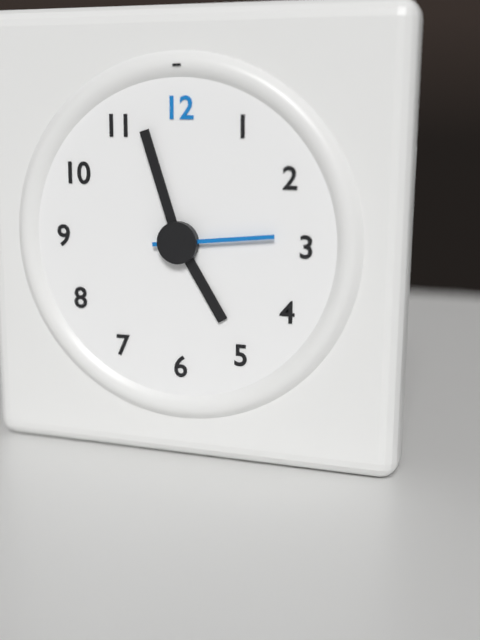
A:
4.57.14
